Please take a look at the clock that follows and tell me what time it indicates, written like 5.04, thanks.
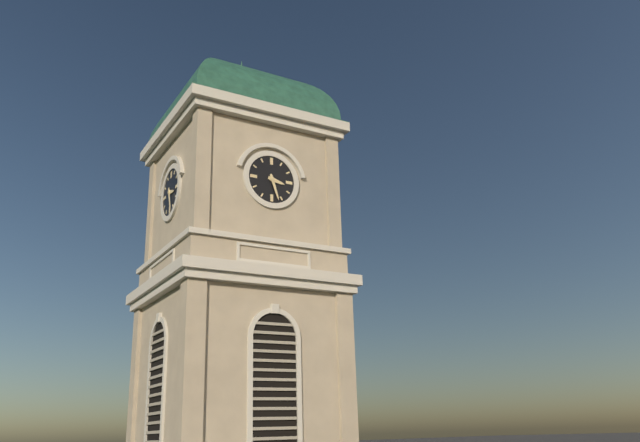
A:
3.27
